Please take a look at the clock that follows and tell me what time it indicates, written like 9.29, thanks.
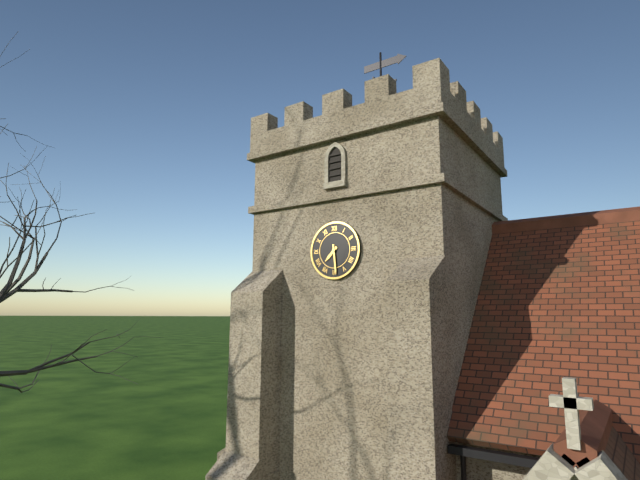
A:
7.29
